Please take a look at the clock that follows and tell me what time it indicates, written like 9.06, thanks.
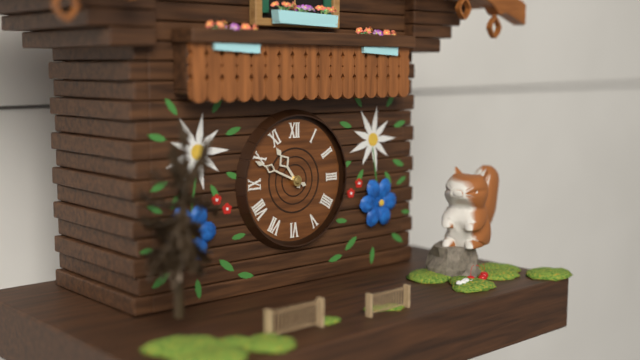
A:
10.49
